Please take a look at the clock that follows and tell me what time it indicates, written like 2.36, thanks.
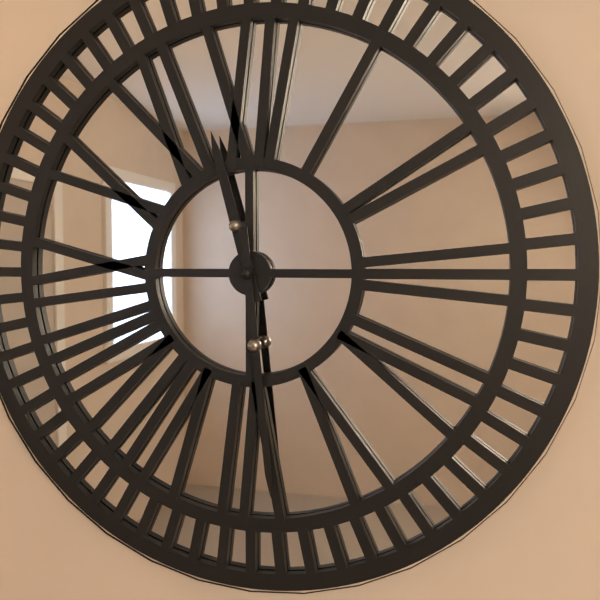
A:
11.29
